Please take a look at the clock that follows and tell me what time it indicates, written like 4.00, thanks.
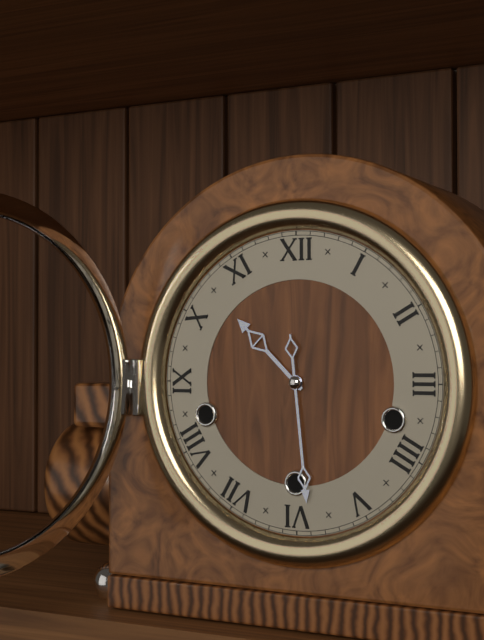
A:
10.29
